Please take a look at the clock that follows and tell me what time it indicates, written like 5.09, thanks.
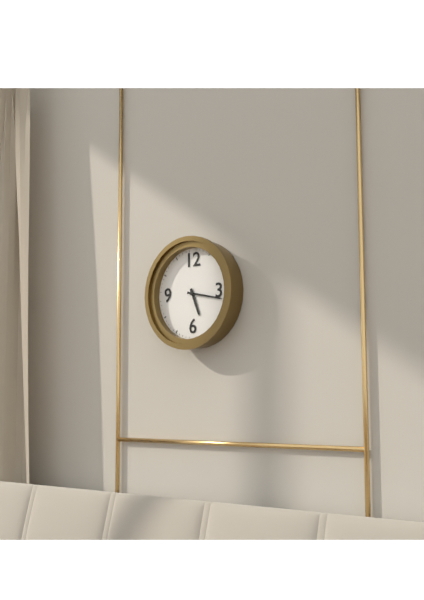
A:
5.17
